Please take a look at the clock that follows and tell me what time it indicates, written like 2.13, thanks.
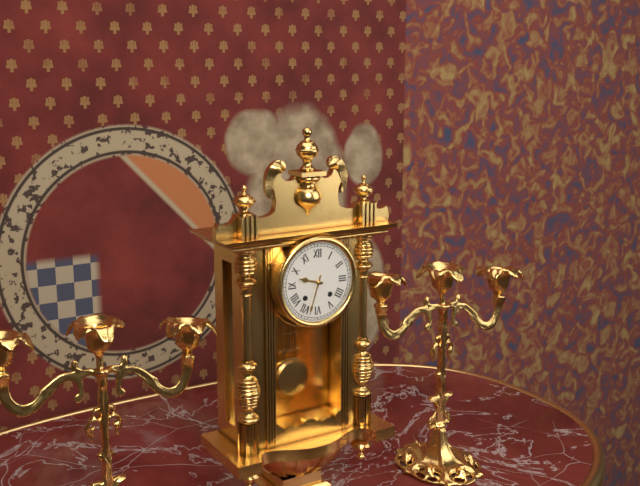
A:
9.33
